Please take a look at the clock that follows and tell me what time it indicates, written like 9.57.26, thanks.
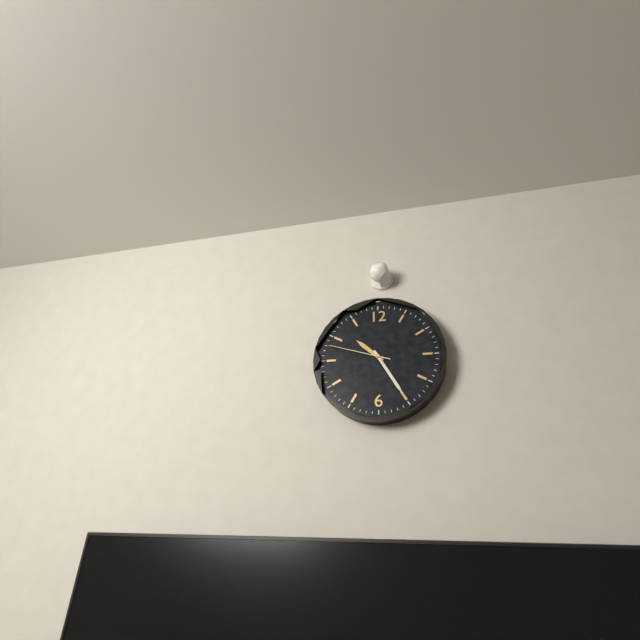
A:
10.25.48
